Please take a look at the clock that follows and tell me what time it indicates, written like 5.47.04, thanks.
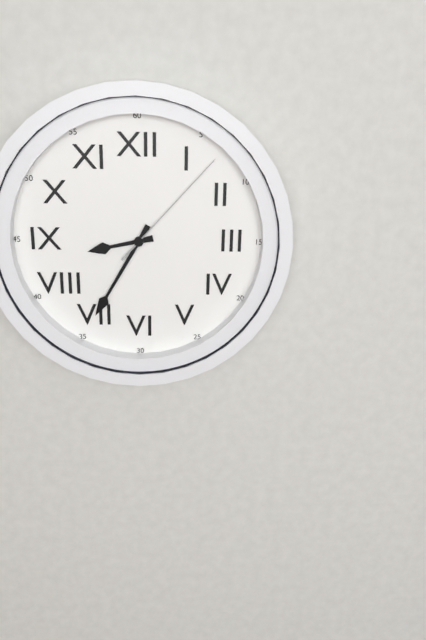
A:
8.35.07
